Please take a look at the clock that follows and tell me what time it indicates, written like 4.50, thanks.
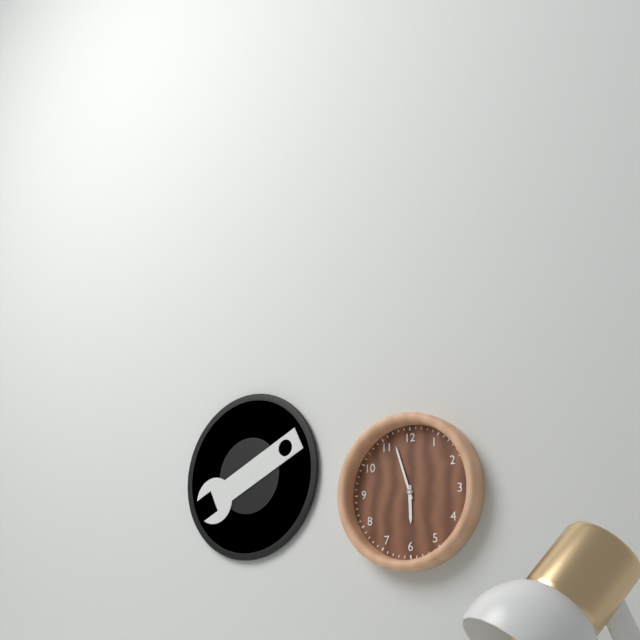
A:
5.57
